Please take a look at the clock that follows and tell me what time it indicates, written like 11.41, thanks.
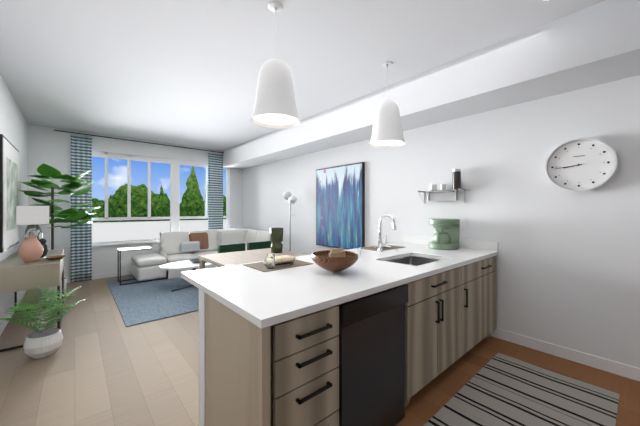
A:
8.44
